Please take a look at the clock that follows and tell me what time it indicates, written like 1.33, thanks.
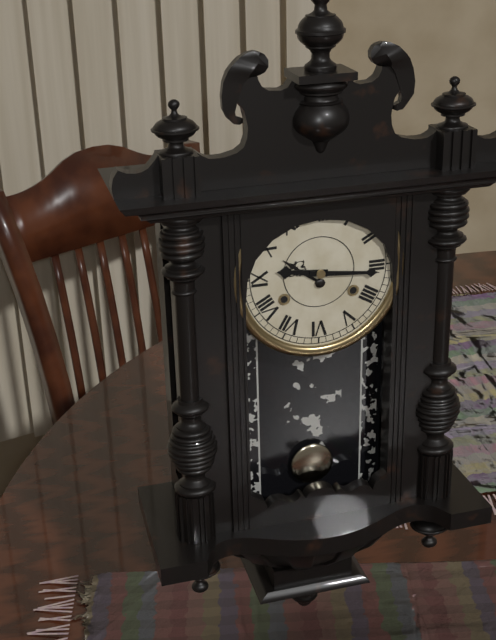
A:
9.16
